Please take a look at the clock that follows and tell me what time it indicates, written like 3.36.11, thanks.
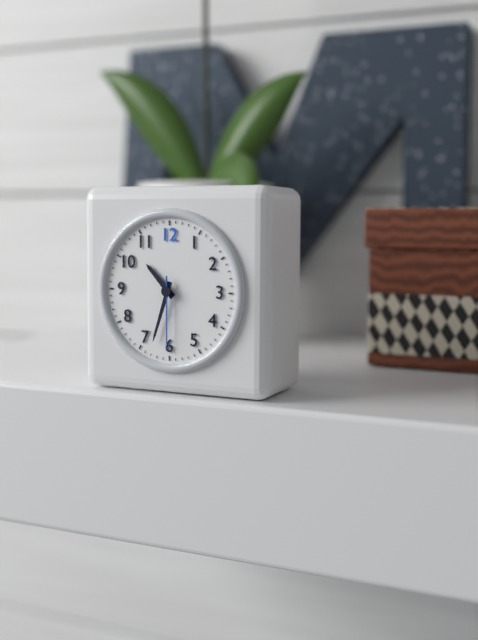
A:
10.33.30
